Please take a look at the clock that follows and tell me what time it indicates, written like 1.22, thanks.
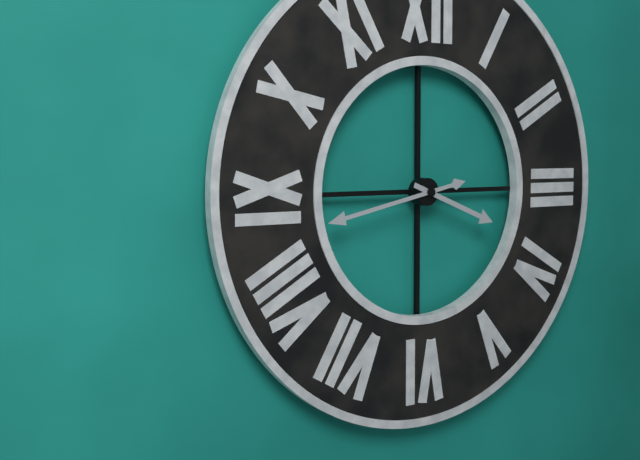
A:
3.43
